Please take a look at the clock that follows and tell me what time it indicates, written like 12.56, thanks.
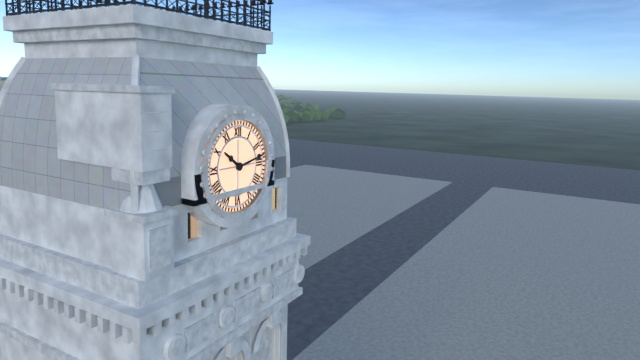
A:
10.13
